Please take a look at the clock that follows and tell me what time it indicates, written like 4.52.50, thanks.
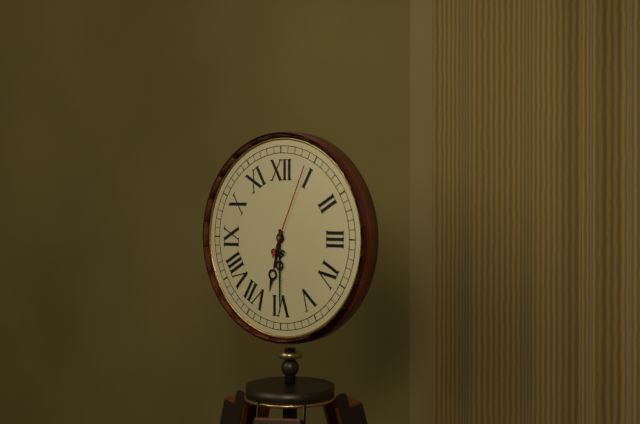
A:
6.30.04
